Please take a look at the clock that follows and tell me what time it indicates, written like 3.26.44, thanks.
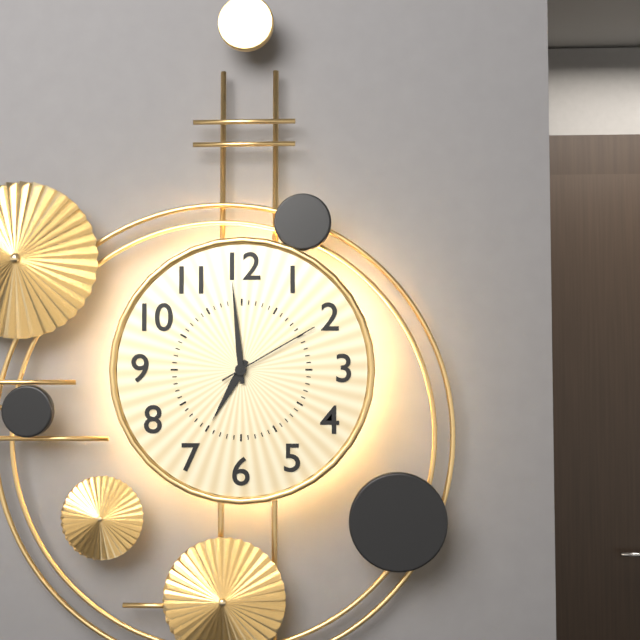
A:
6.59.10
